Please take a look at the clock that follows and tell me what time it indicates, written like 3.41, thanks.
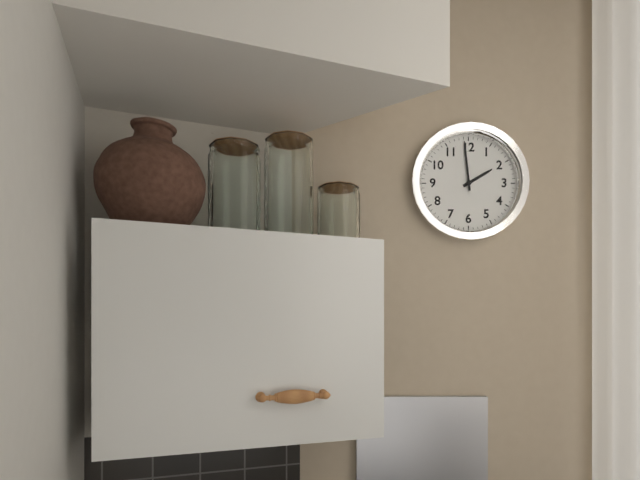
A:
1.59
